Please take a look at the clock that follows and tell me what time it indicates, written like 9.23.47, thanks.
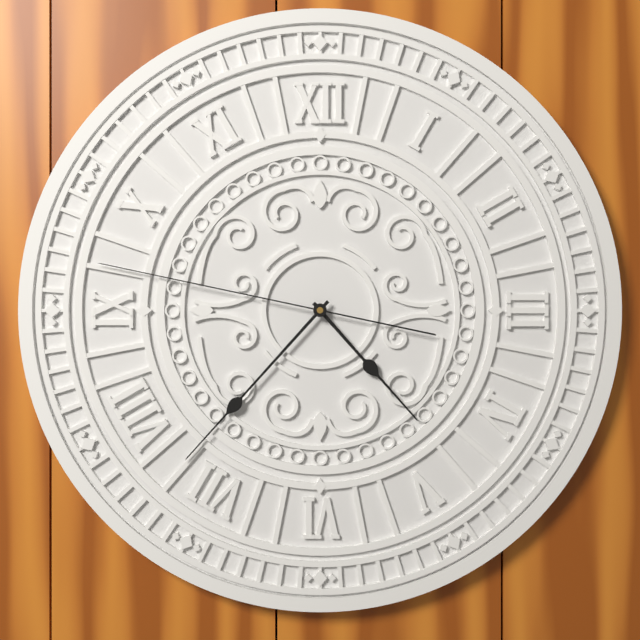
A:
4.37.47
